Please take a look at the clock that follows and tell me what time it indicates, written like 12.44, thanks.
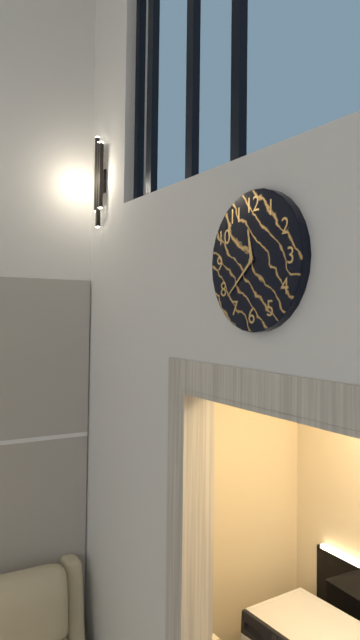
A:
11.38
